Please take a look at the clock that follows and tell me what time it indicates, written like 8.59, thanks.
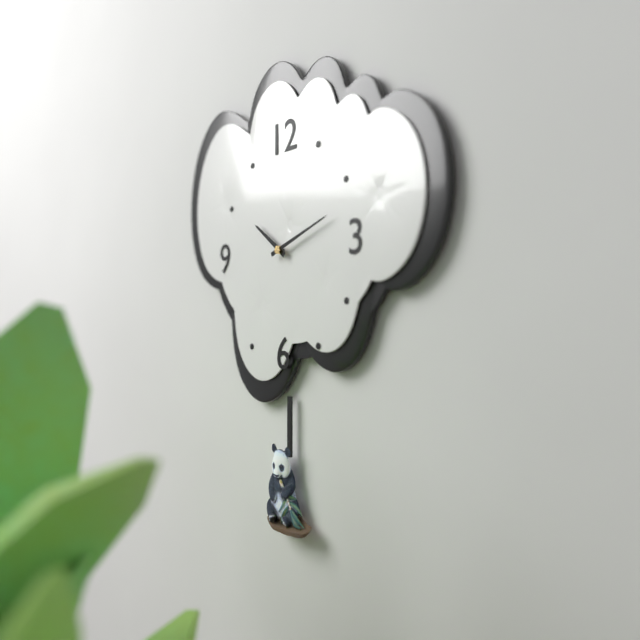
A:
10.12
